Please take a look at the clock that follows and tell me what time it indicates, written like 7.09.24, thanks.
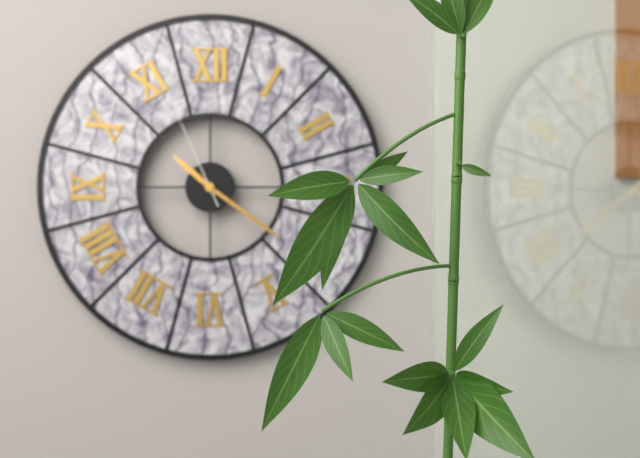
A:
10.21.56
